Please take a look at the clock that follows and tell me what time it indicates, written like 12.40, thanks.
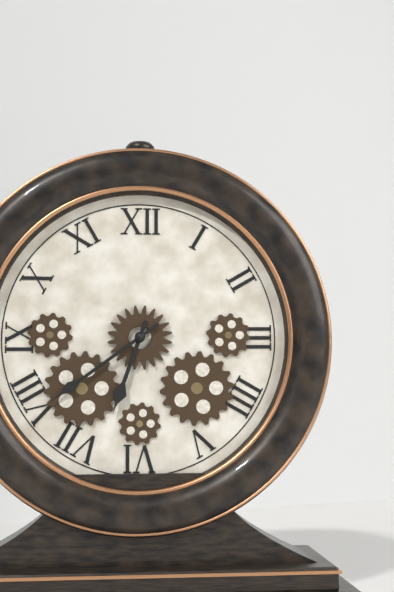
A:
6.39
